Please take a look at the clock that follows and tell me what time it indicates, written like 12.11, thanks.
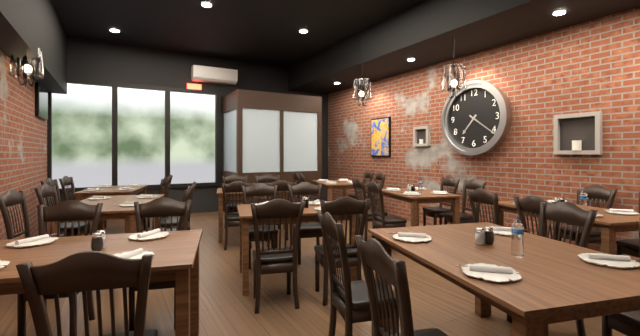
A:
7.21
